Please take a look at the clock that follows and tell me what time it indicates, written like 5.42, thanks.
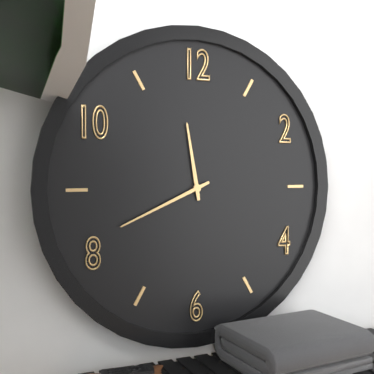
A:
11.41
